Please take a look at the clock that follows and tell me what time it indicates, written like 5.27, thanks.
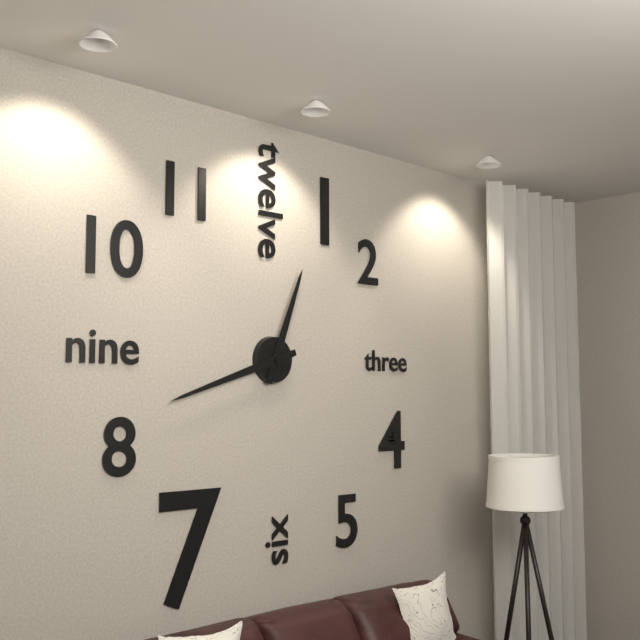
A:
12.42
